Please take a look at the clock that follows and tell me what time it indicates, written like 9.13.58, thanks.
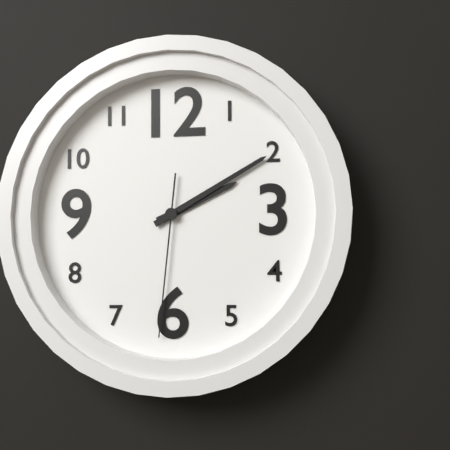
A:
2.10.31
